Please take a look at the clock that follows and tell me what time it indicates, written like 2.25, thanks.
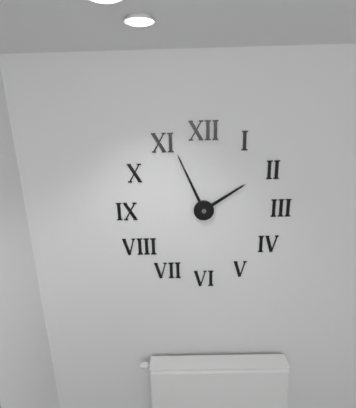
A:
1.56
